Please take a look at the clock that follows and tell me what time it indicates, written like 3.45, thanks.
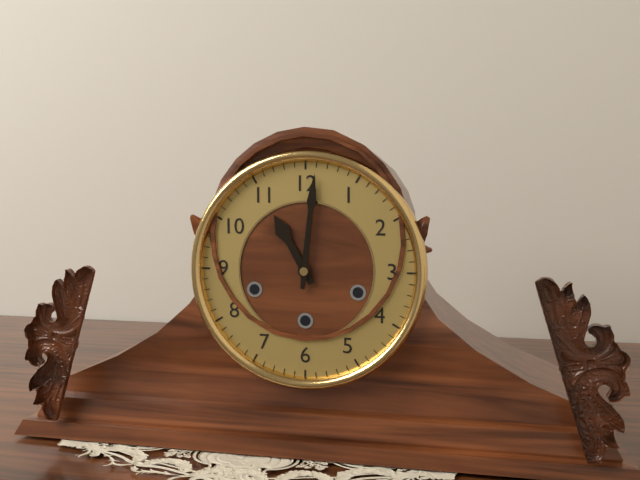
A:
11.01
